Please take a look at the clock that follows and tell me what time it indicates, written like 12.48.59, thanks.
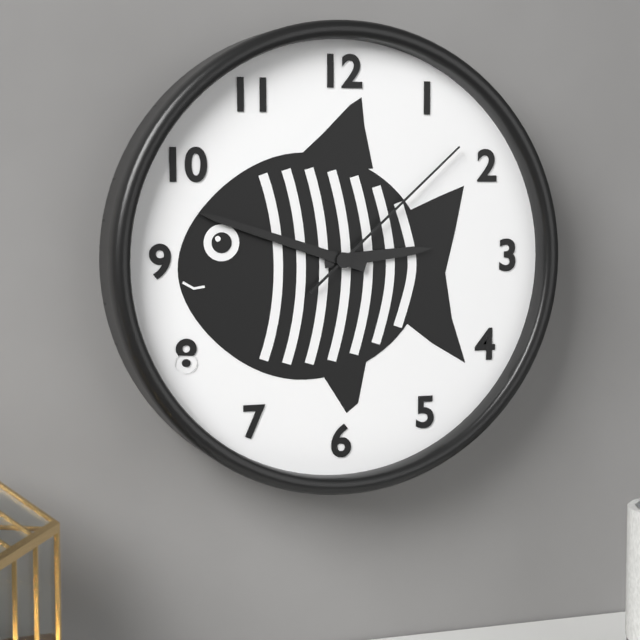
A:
2.48.08
